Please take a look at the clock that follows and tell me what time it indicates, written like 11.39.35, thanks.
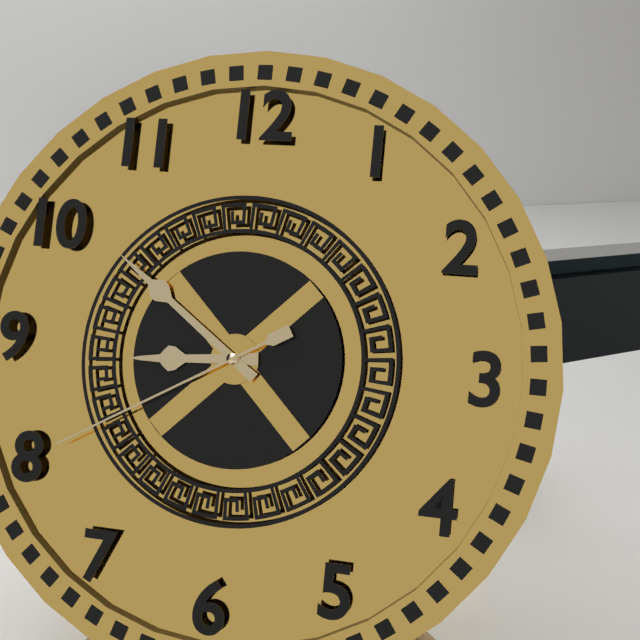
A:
8.51.40
